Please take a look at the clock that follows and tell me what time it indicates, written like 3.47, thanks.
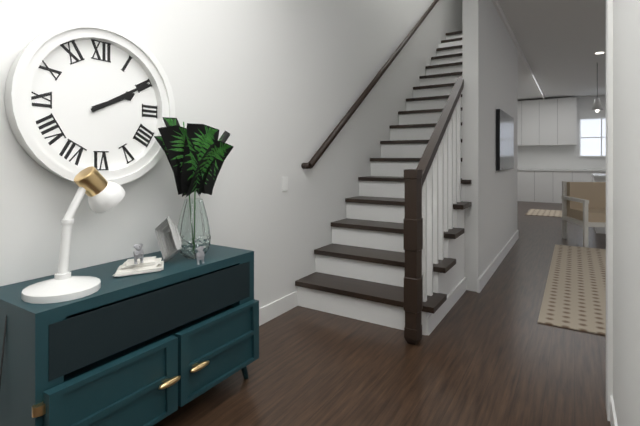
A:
2.10
